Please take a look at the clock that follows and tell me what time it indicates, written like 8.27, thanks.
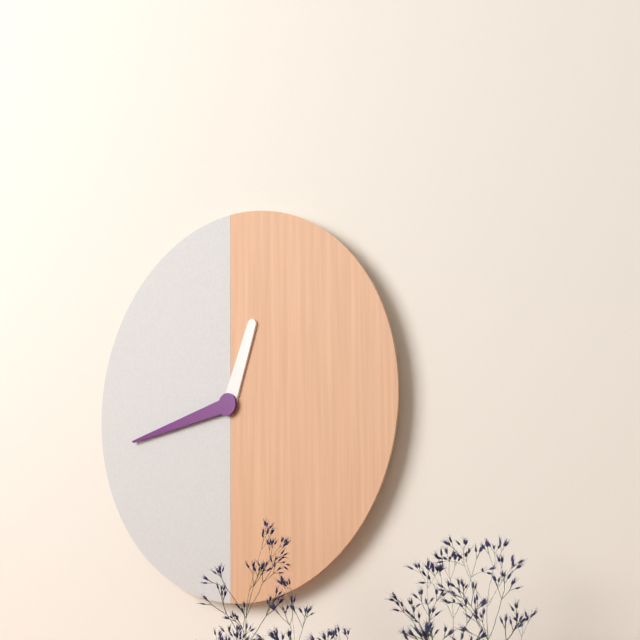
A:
12.43
